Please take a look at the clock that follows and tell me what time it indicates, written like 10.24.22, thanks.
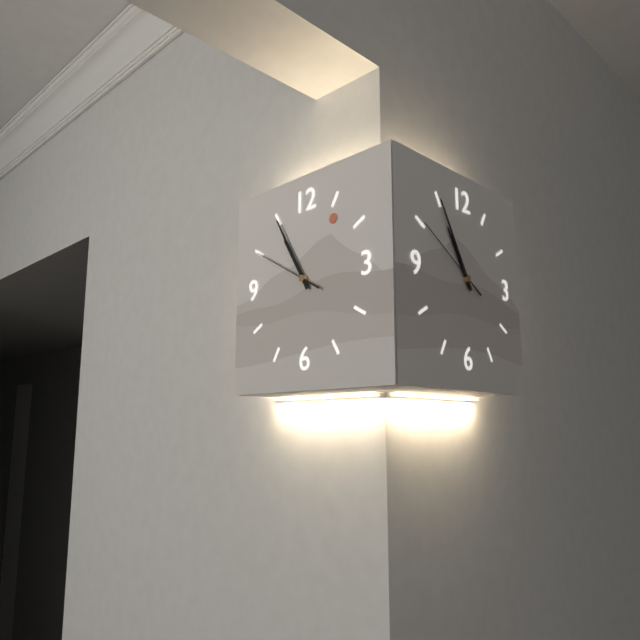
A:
10.55.50
